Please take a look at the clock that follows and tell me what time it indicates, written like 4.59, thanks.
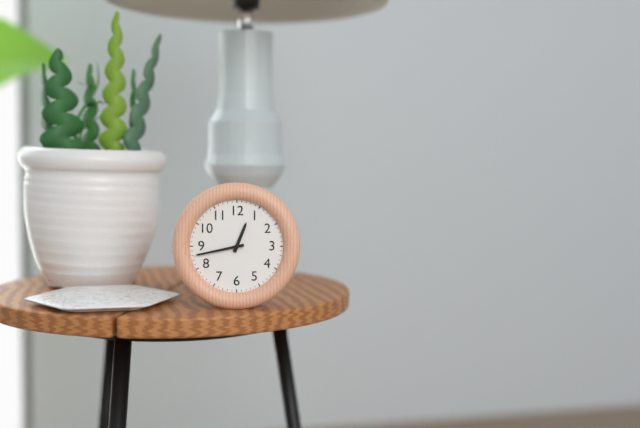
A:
12.43
